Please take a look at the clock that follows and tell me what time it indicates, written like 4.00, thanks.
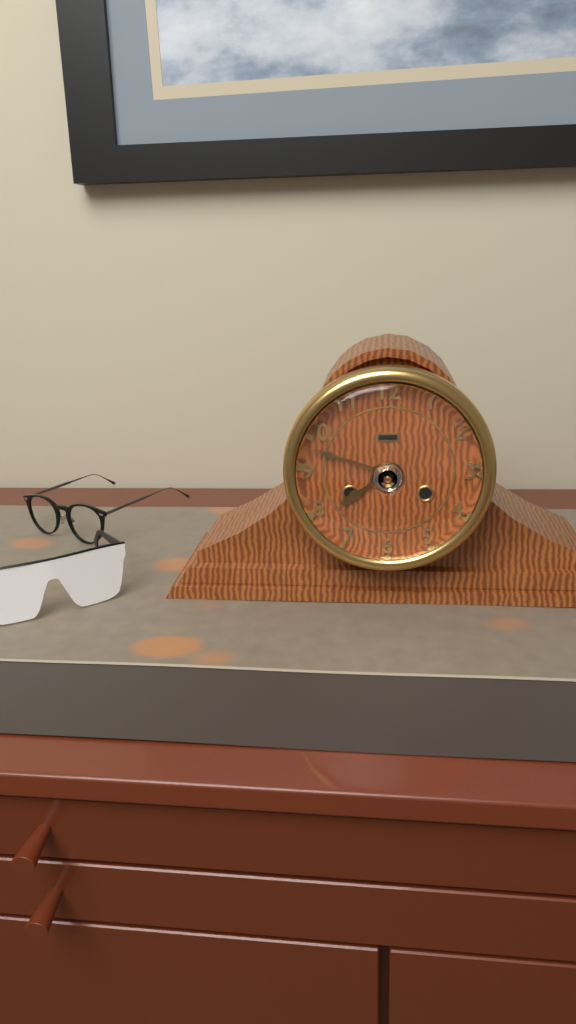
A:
7.48
